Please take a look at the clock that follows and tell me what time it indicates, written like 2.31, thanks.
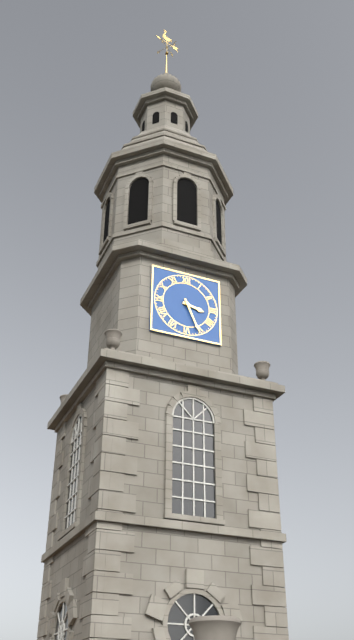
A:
3.26
